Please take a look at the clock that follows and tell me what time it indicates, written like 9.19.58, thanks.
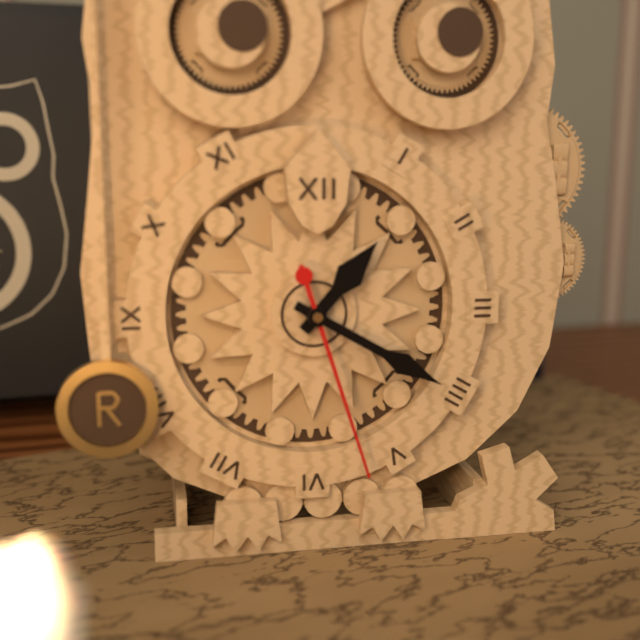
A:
1.20.27
